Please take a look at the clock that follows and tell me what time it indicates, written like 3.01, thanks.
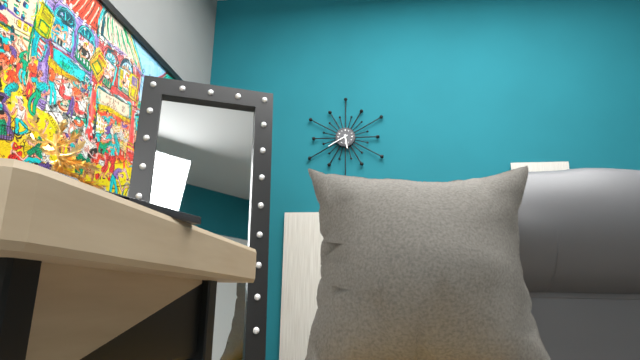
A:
5.40
